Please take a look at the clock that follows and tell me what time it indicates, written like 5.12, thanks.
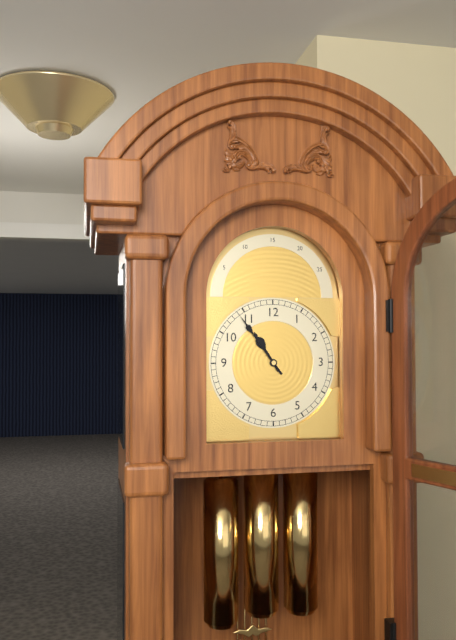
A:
10.54
